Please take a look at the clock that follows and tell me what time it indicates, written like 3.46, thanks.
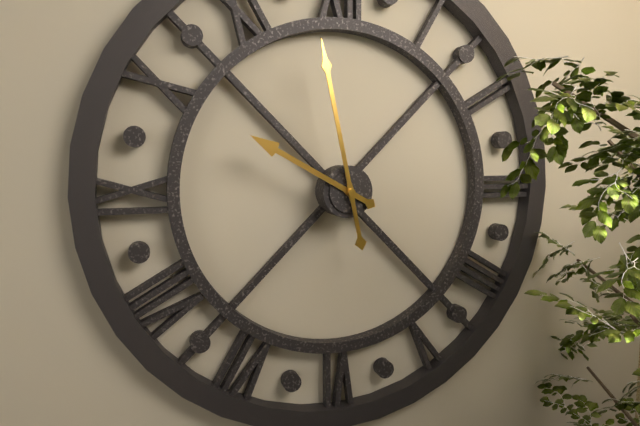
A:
9.58
